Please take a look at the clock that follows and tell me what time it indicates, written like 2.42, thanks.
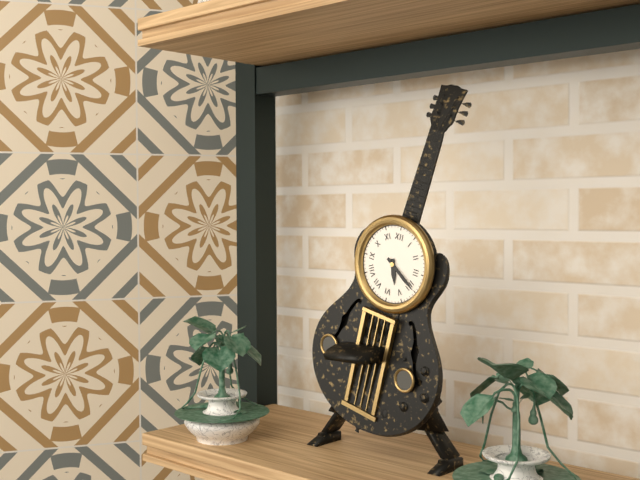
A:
5.20
